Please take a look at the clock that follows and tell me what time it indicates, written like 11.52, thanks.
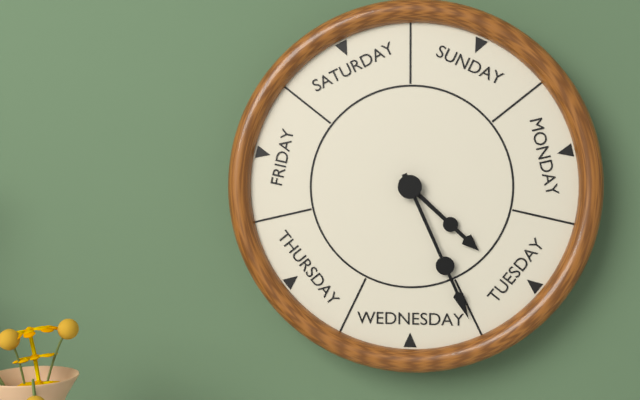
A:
4.26
